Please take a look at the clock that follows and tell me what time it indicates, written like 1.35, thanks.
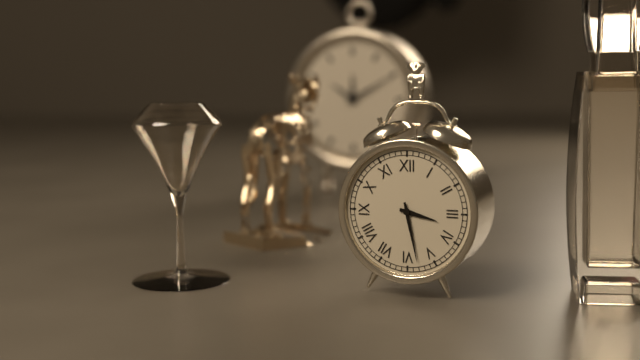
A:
3.28
